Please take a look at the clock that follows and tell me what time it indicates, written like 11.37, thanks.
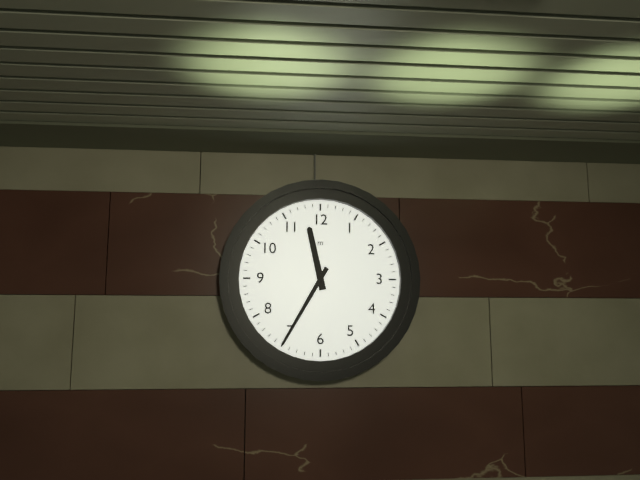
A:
11.35
